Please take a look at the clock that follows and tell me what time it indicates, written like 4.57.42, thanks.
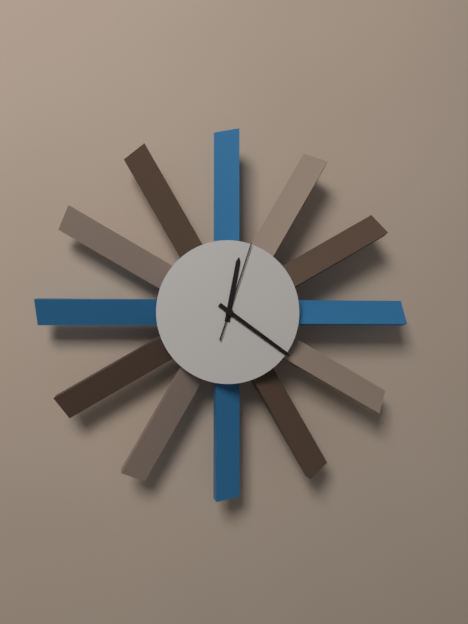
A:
12.21.03
